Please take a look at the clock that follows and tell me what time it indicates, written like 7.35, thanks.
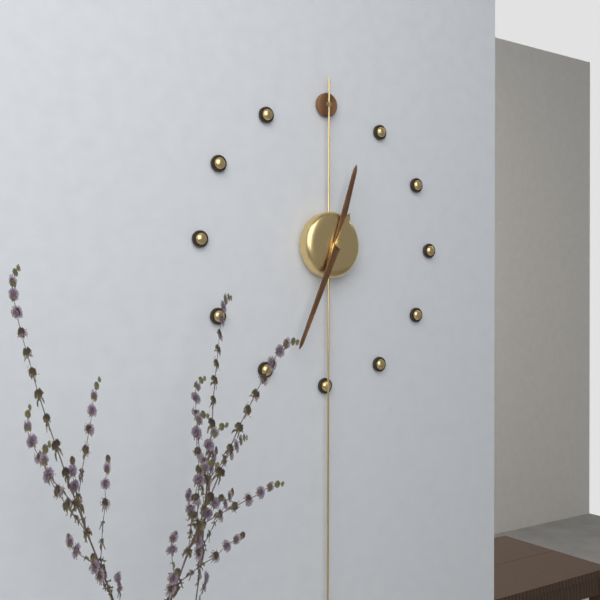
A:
12.34
